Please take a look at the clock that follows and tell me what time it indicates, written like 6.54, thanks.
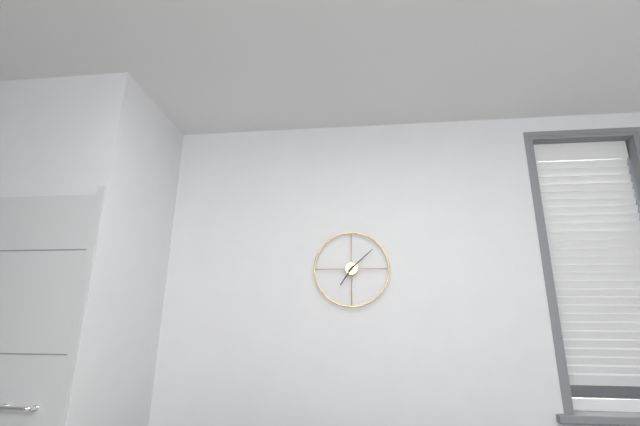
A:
7.08
